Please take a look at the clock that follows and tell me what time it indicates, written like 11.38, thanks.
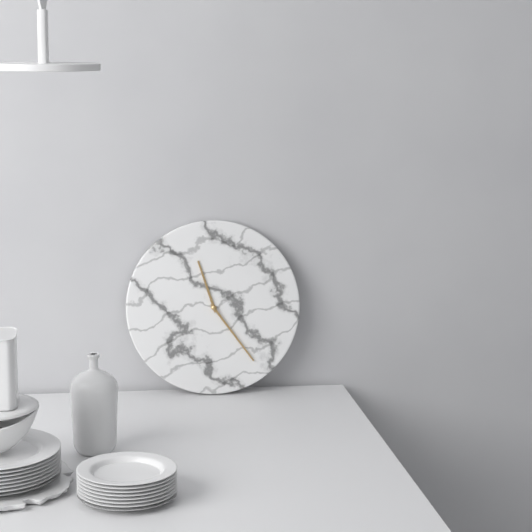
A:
11.24
